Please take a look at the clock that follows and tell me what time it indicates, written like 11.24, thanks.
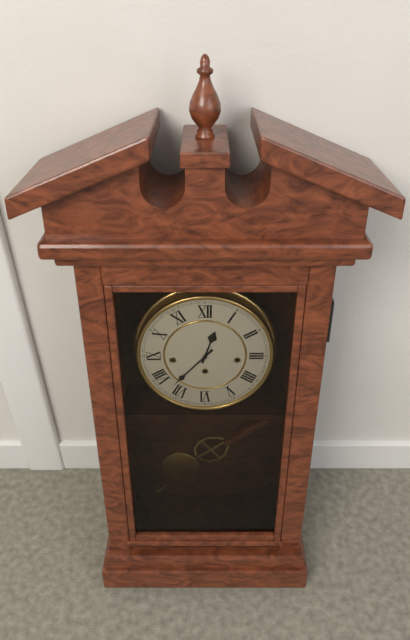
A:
12.37
